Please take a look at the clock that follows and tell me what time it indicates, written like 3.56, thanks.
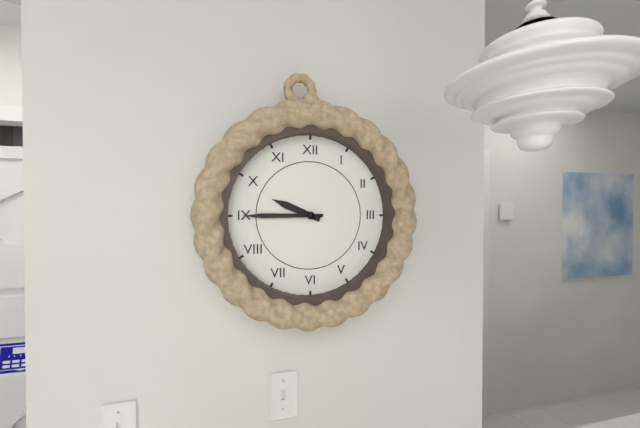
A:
9.45
